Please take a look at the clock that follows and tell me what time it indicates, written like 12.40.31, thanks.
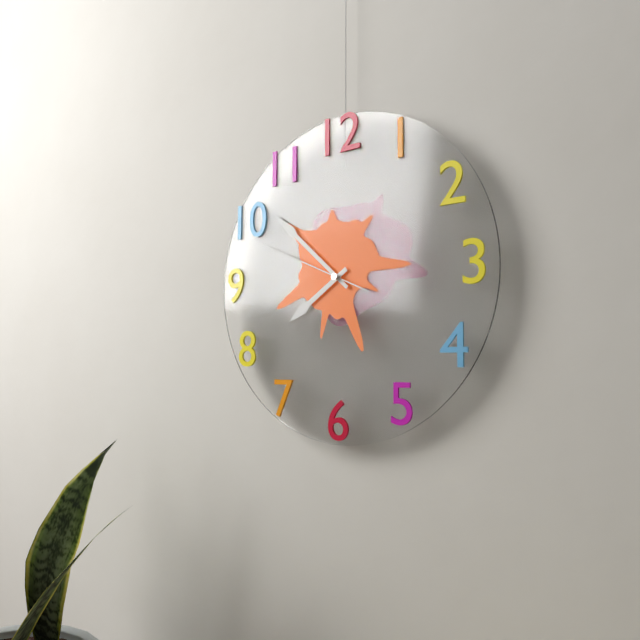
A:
7.52.49
